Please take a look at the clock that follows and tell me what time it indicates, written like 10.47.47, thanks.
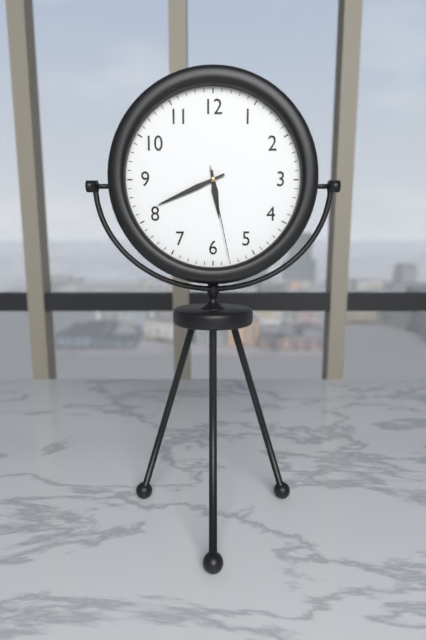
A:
5.41.28
